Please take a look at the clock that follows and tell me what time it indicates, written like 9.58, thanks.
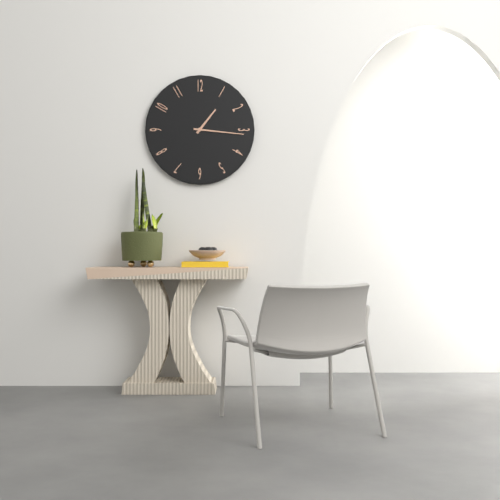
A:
1.16
